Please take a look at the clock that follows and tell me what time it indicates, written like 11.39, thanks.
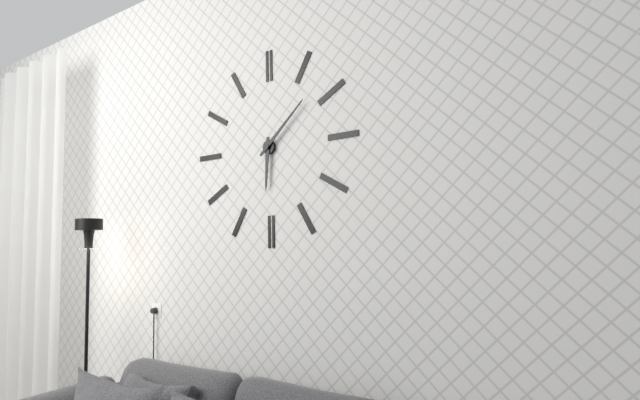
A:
6.08
